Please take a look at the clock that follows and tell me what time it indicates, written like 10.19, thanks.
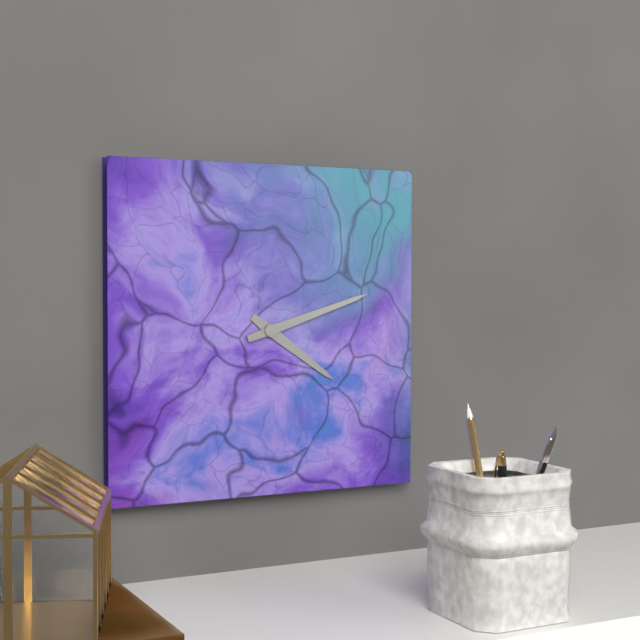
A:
4.12
